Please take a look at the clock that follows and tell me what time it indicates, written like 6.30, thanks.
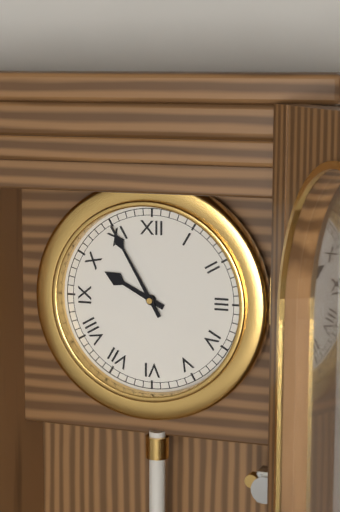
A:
9.55
